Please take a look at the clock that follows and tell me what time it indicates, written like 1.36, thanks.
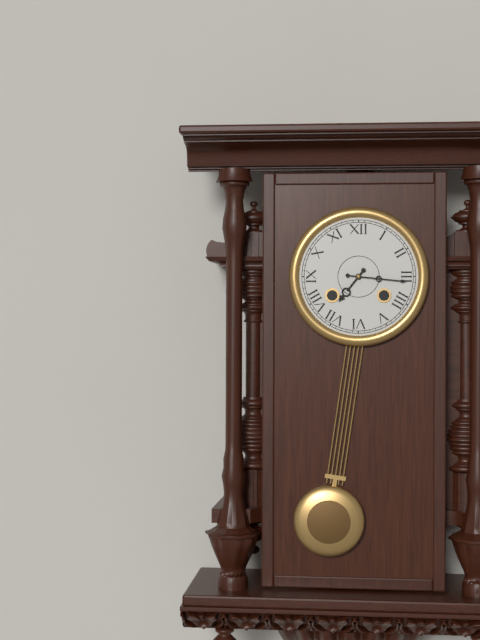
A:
7.16
